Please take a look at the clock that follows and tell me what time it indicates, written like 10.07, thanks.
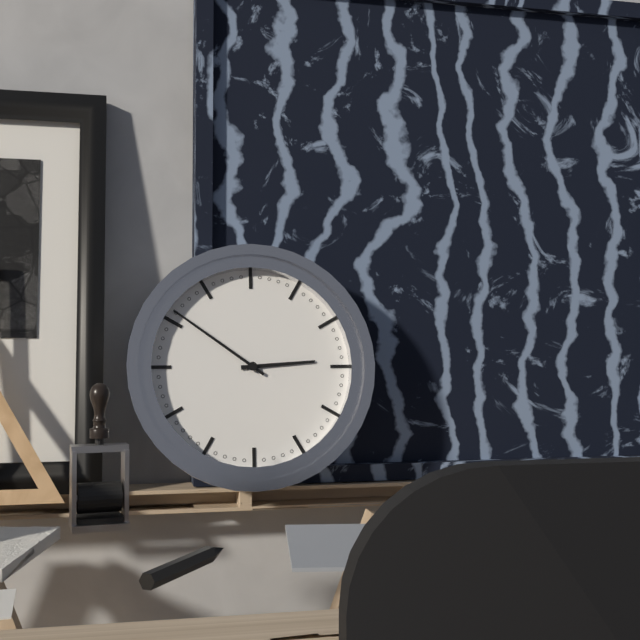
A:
2.51
